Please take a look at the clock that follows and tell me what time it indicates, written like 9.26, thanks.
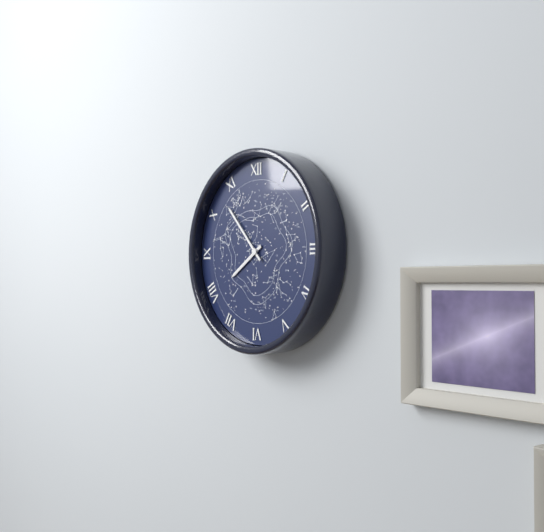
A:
7.53
